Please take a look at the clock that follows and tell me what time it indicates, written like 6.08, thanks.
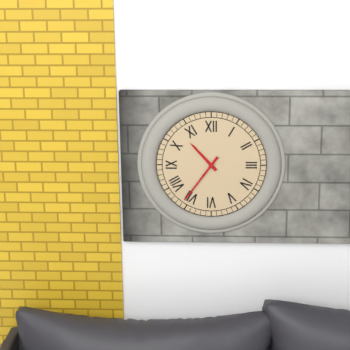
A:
10.36
